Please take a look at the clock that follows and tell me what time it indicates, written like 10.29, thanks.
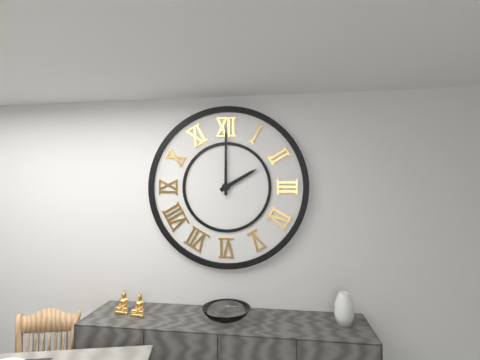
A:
2.00
